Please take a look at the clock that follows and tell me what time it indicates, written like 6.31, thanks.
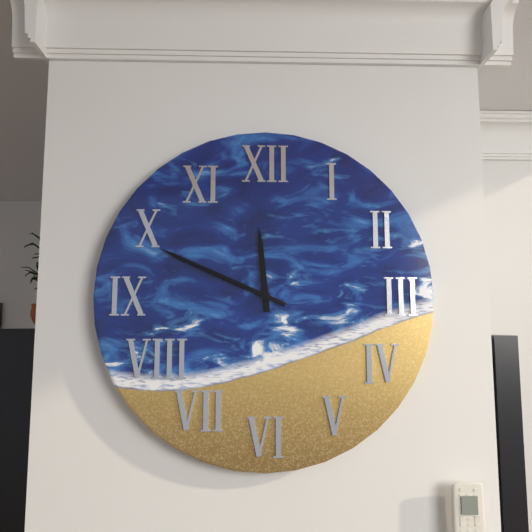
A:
11.49
